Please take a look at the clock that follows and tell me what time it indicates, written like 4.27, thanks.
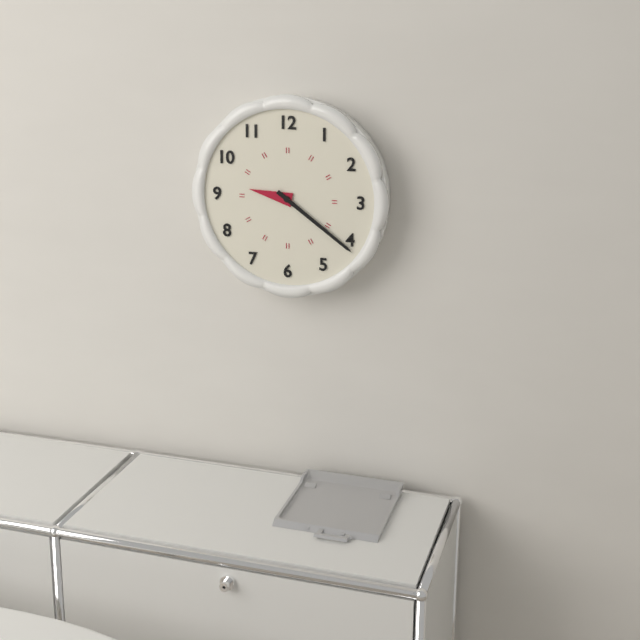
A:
9.21
